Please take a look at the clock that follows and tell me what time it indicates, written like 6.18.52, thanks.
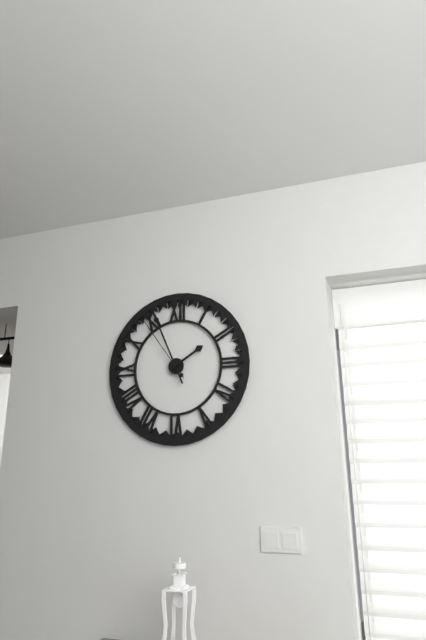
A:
1.56.54
